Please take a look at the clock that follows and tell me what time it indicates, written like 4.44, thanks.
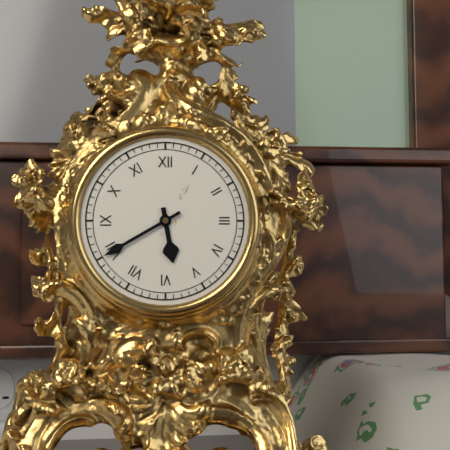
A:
5.40
